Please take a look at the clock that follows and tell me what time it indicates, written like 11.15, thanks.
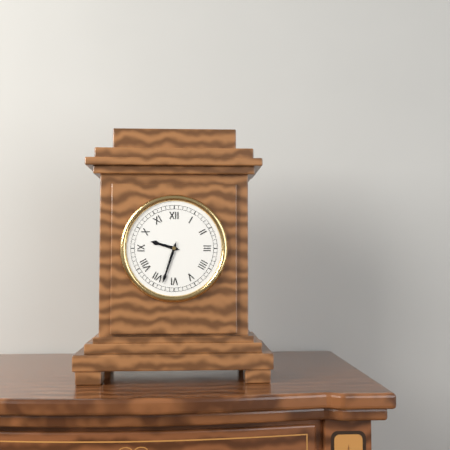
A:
9.33
